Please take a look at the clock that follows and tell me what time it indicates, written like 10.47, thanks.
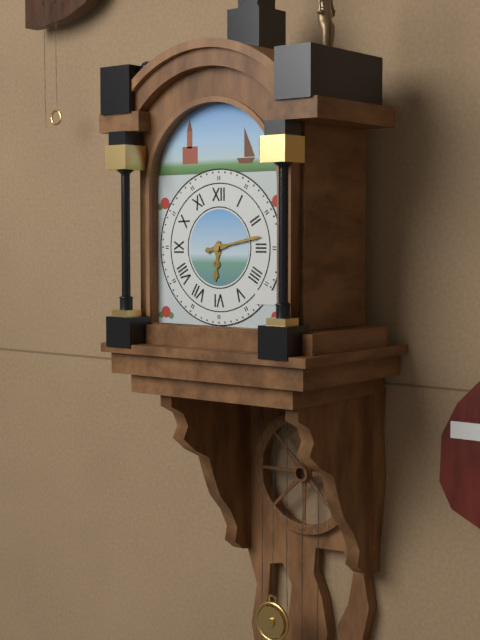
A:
6.13
